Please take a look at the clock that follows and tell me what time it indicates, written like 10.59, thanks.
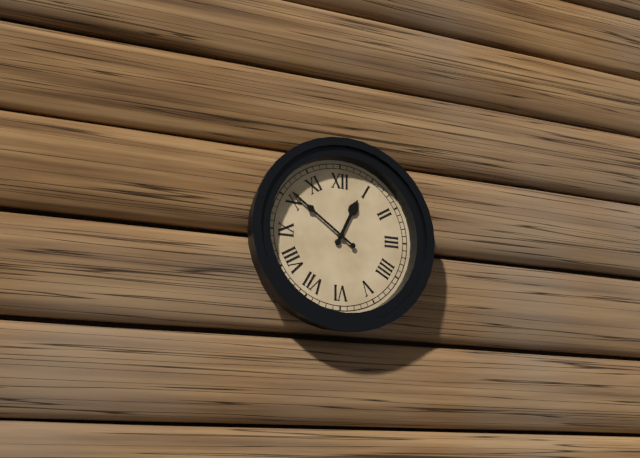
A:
12.51
